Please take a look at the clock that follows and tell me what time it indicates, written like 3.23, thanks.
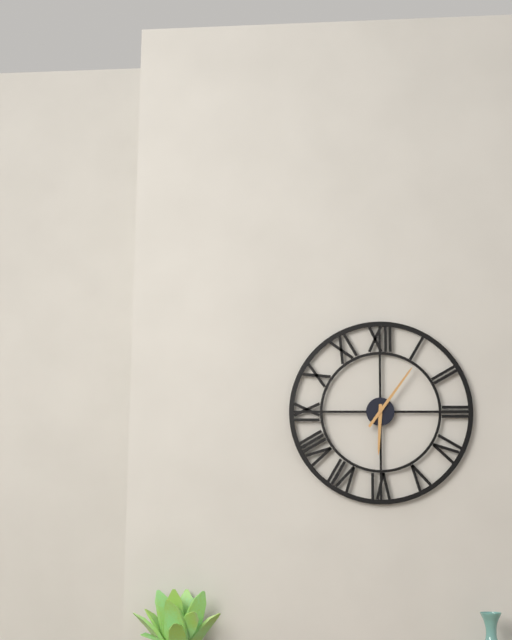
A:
6.06
